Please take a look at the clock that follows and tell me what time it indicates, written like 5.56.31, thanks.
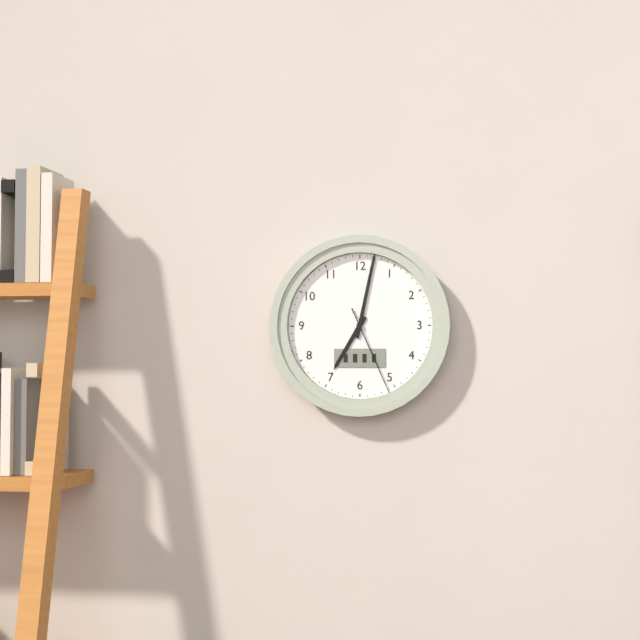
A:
7.02.26
